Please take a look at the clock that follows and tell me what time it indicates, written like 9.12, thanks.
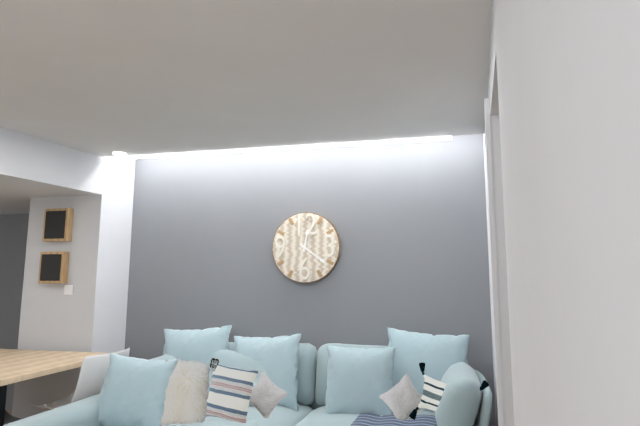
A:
12.21
